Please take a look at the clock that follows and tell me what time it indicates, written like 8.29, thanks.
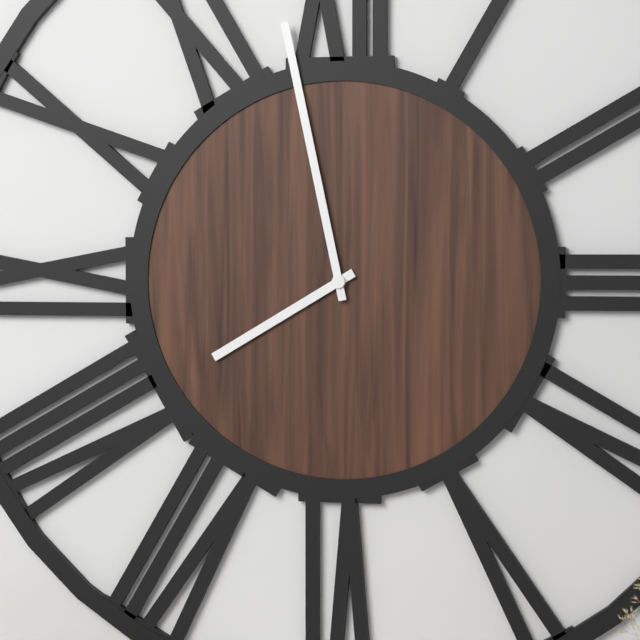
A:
7.58
